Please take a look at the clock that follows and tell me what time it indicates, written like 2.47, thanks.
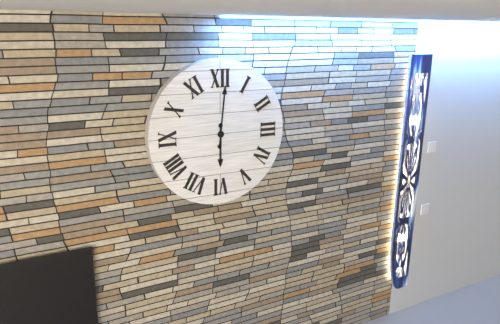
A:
6.01
